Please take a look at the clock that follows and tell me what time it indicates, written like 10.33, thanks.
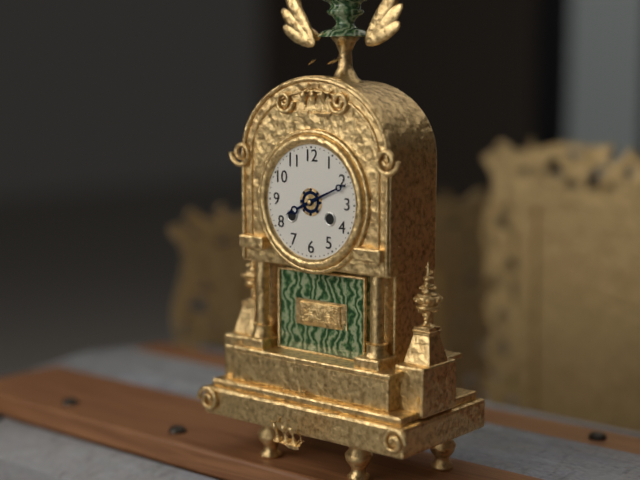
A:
8.11
